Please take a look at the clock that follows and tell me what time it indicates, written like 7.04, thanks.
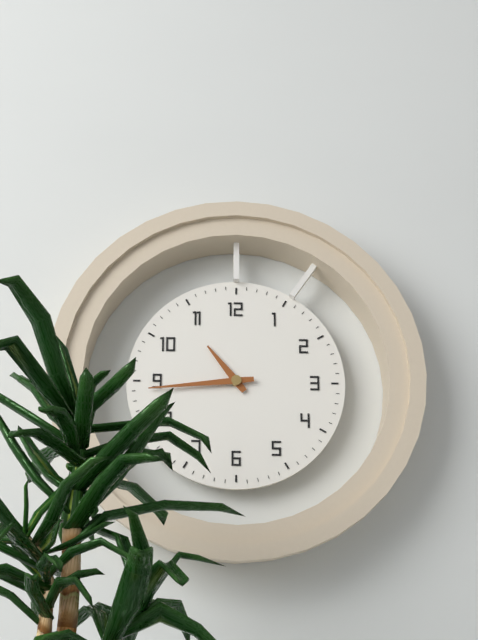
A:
10.44
